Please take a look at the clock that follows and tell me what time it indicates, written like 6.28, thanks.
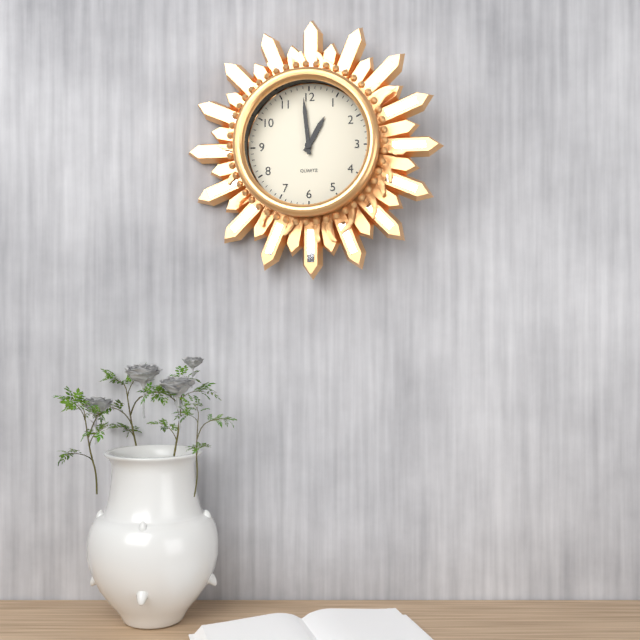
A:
12.59
